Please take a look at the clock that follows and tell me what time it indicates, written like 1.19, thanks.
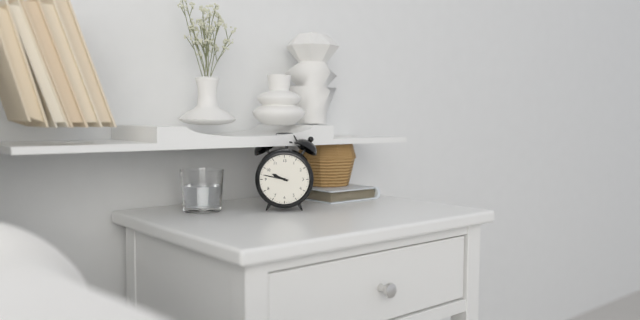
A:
9.47
